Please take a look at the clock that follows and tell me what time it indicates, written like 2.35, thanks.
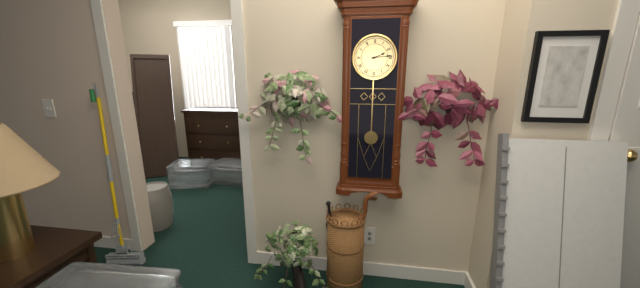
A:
2.14
